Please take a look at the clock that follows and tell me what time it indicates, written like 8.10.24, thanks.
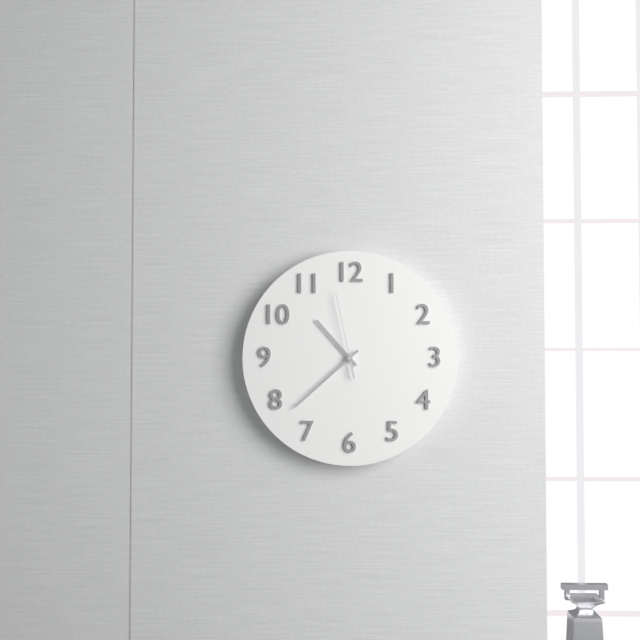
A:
10.38.58
